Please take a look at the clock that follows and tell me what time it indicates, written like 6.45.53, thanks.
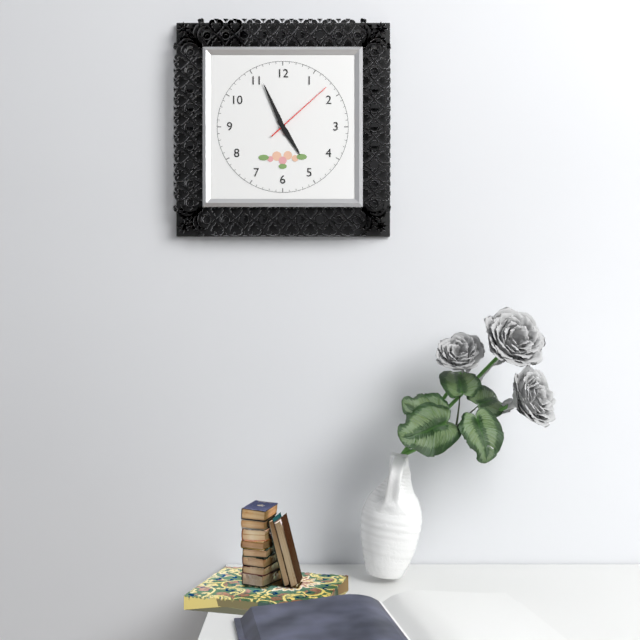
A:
4.56.08
